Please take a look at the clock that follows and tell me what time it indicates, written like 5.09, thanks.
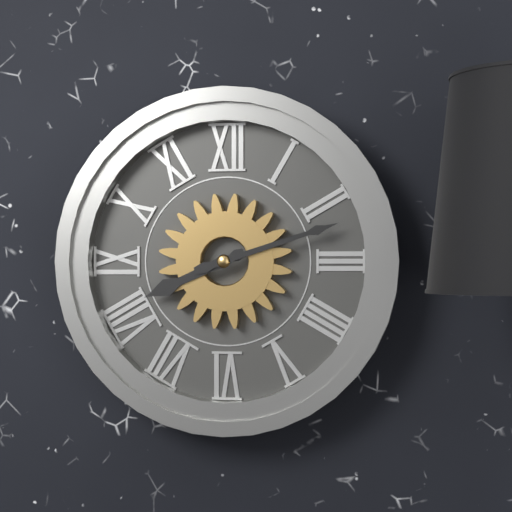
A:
8.12
